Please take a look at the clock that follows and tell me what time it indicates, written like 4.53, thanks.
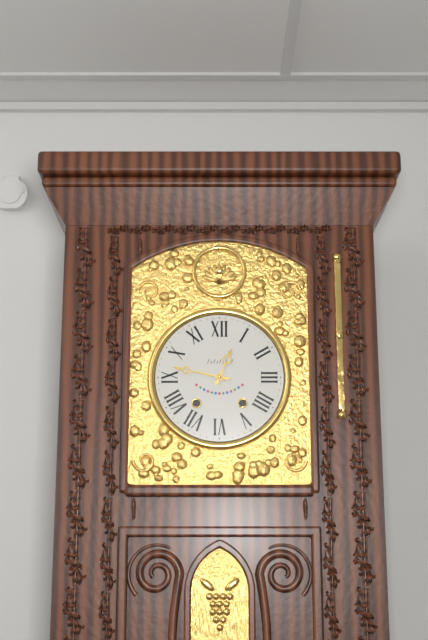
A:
12.47
